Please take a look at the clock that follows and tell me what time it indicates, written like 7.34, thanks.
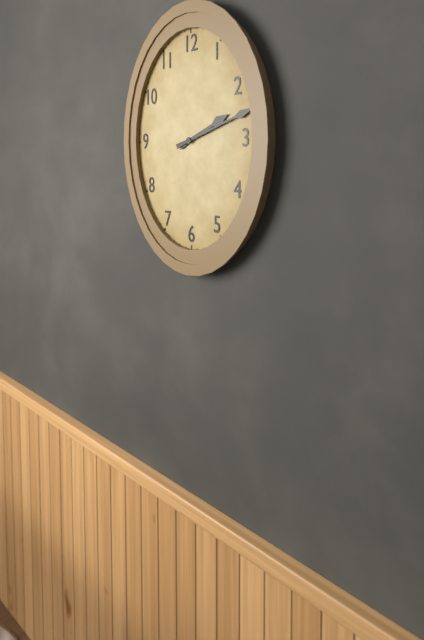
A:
2.12
